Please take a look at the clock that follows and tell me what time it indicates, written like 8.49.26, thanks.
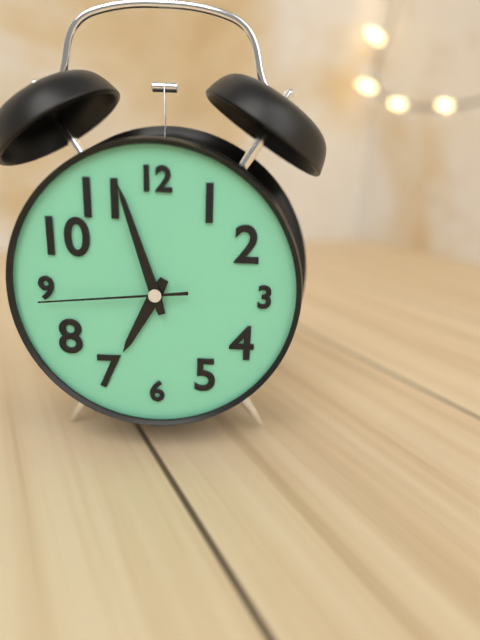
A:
6.57.44
